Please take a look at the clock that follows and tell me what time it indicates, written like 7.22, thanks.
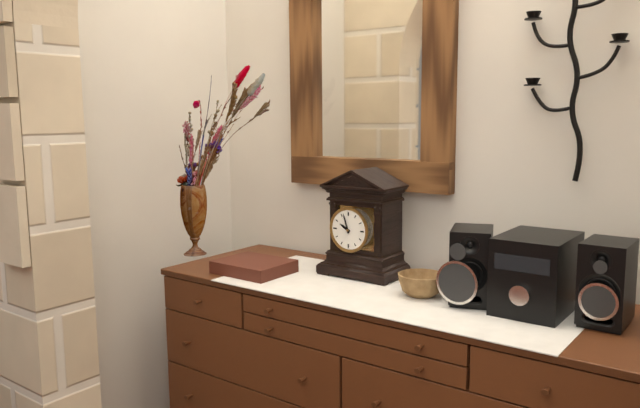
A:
9.57
